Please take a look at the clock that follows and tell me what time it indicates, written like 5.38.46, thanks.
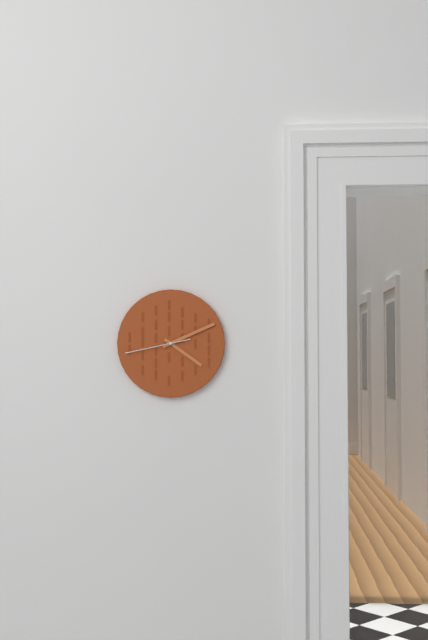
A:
4.11.43
